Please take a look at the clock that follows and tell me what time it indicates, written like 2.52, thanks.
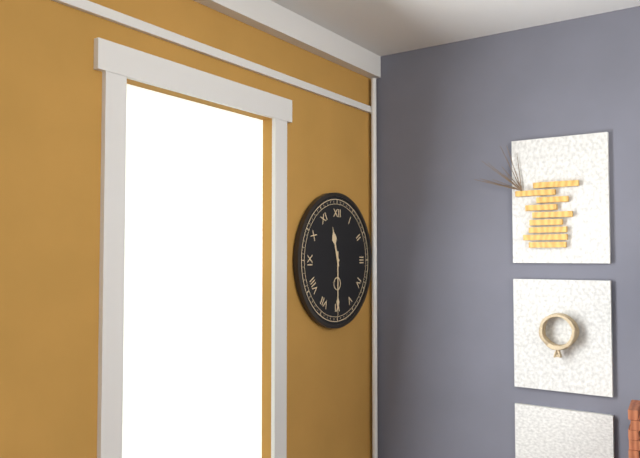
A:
11.30
